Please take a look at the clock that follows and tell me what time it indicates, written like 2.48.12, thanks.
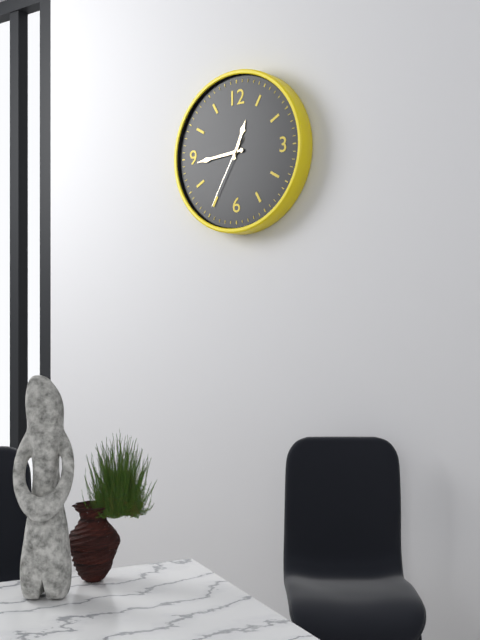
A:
12.44.35
